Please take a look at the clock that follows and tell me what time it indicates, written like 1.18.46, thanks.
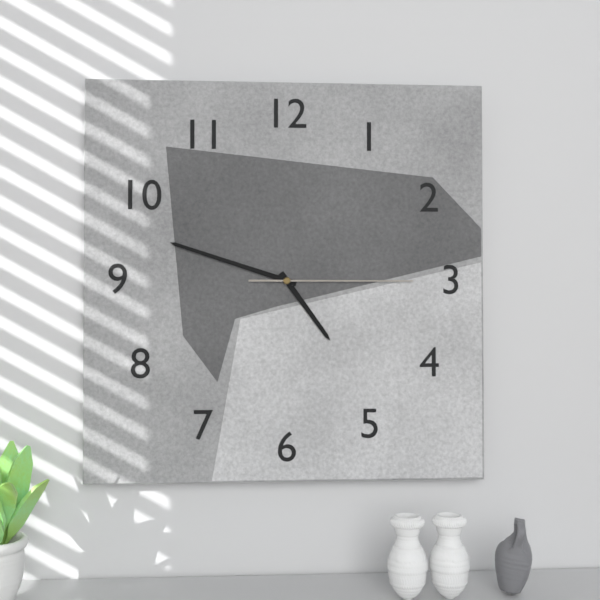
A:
4.48.15
